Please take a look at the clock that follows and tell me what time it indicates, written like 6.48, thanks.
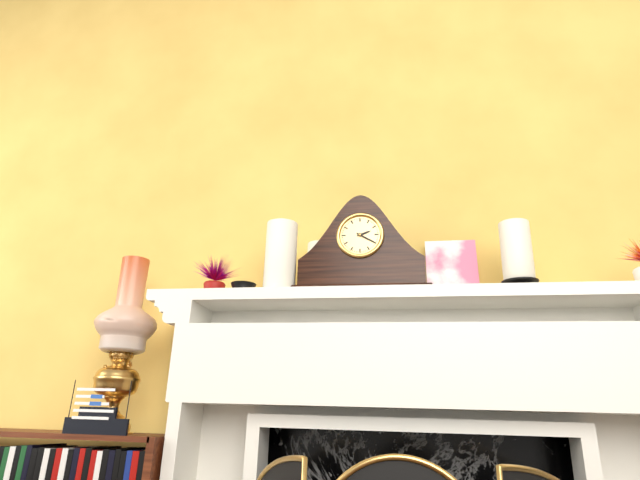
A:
2.20
